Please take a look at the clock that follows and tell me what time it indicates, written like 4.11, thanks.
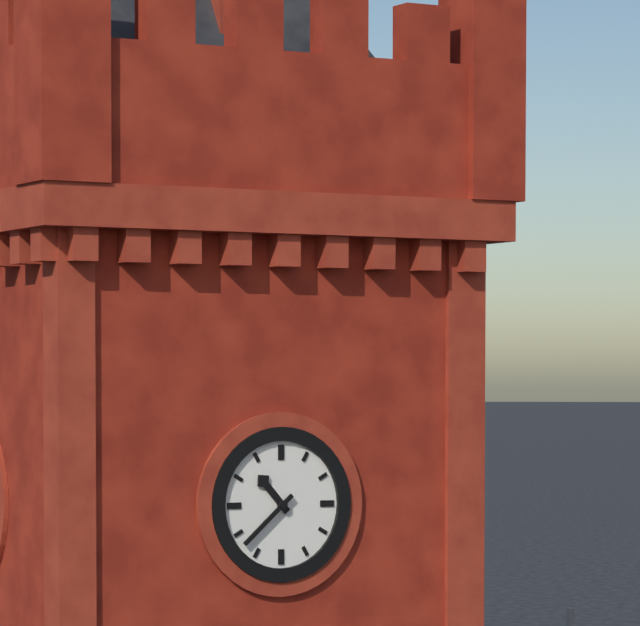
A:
10.38
